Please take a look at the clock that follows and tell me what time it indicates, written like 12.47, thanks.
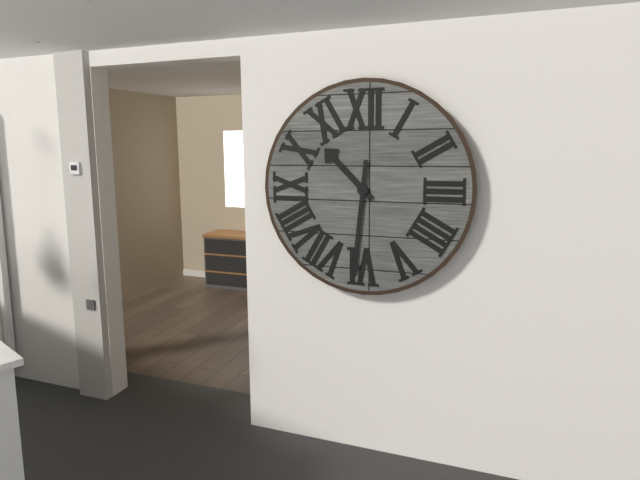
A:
10.31
